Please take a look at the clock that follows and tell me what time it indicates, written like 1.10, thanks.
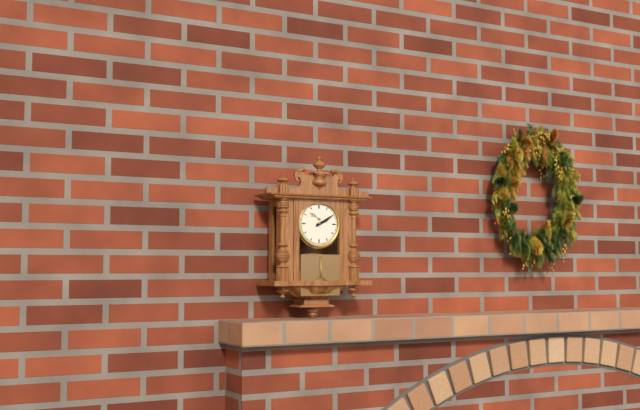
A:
2.10
